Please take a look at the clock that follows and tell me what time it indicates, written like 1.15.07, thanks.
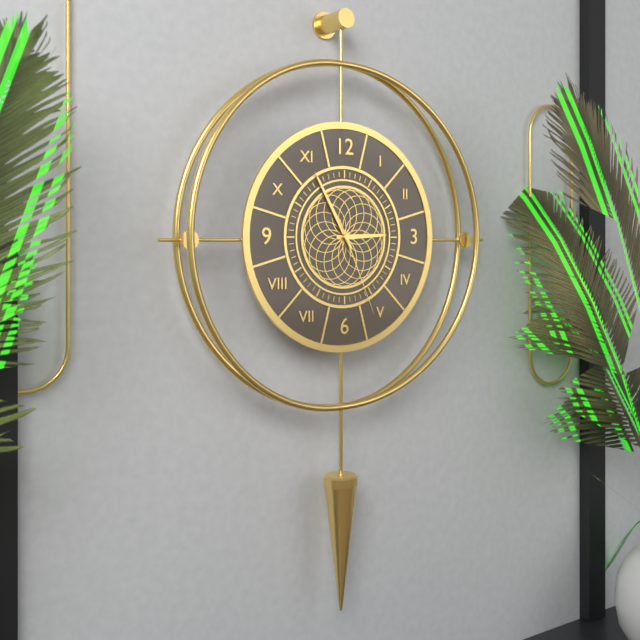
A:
2.55.26
